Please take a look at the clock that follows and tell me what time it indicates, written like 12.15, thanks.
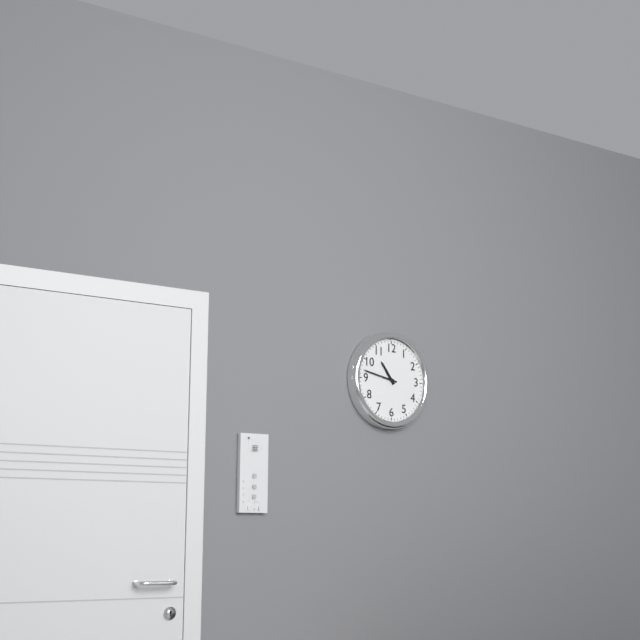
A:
10.47
